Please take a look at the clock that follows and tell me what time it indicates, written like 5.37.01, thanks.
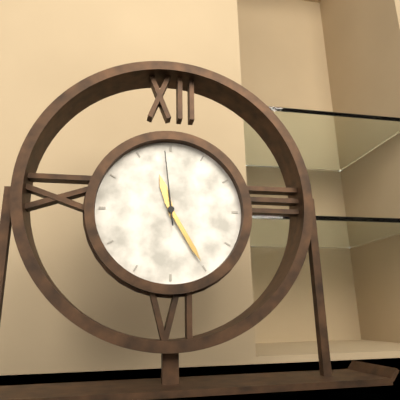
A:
11.25.59
